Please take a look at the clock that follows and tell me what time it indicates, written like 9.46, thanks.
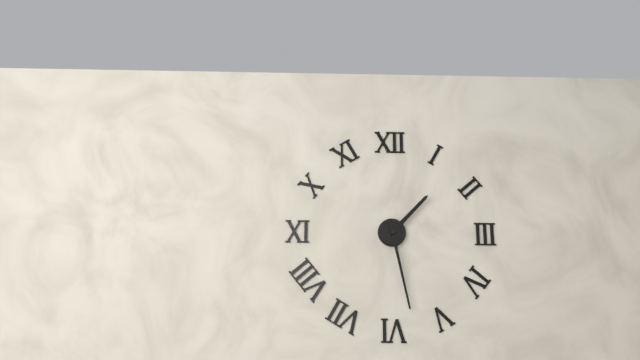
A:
1.28
